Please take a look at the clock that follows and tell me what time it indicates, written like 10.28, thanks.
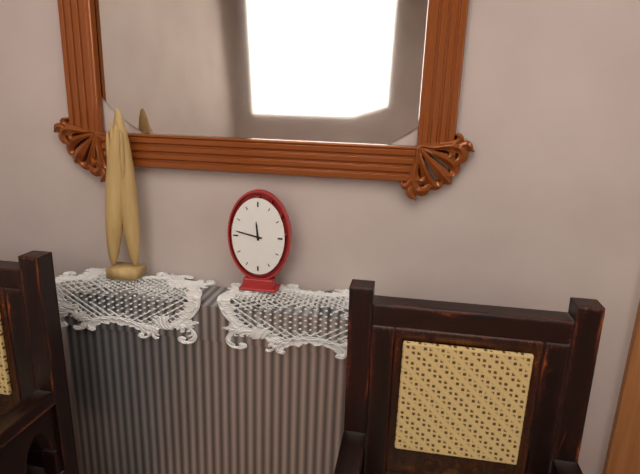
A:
11.47
